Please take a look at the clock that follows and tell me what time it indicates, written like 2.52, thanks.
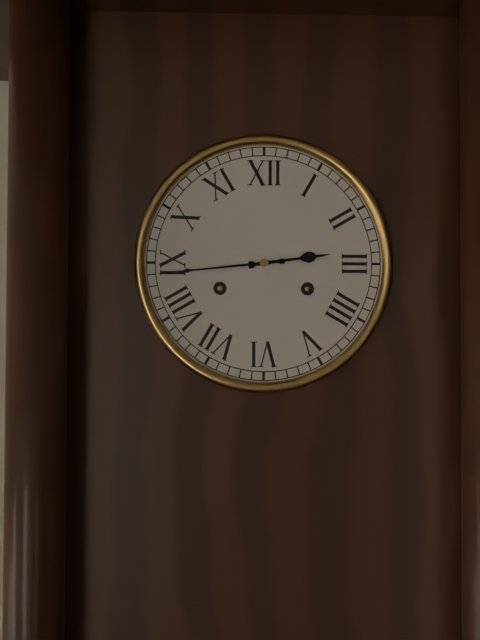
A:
2.44
